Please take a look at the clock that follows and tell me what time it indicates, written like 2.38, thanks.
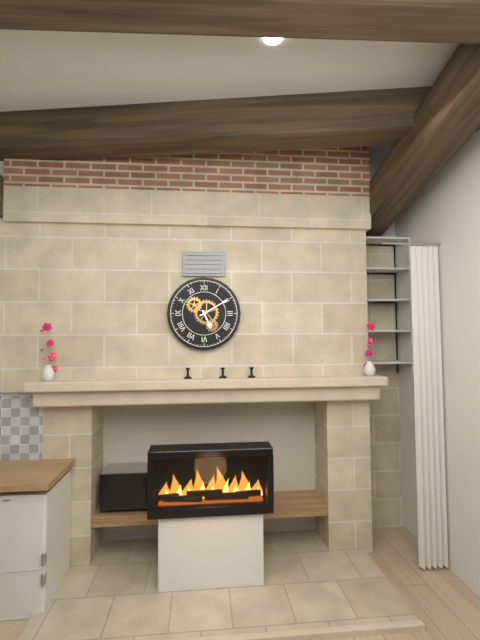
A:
5.10
